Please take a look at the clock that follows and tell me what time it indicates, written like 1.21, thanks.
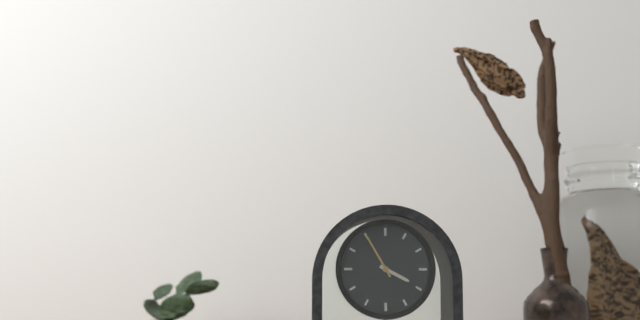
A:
3.55
